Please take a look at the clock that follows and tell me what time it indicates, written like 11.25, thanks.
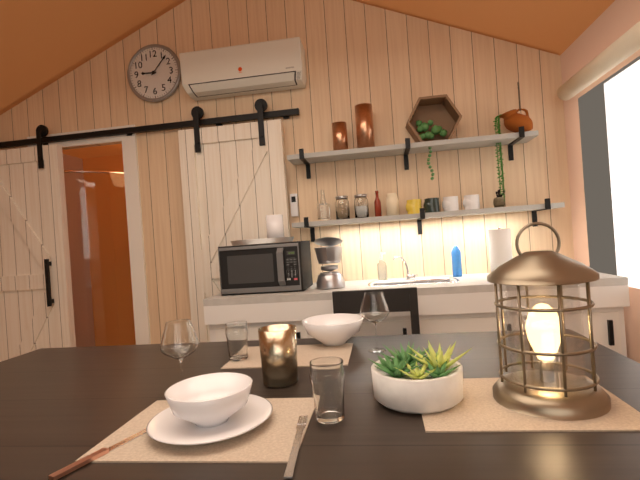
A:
9.07
